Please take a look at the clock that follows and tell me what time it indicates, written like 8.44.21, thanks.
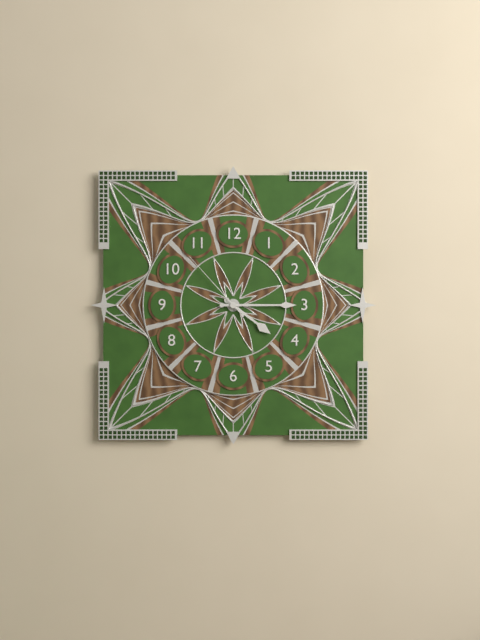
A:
4.15.53
